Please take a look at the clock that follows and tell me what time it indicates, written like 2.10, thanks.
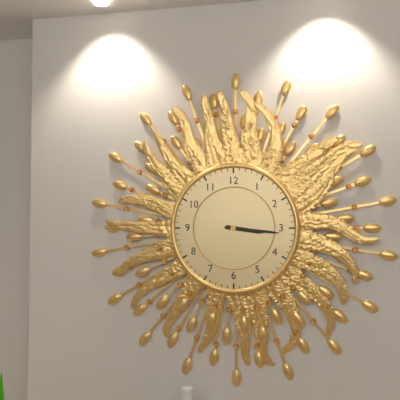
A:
3.16
